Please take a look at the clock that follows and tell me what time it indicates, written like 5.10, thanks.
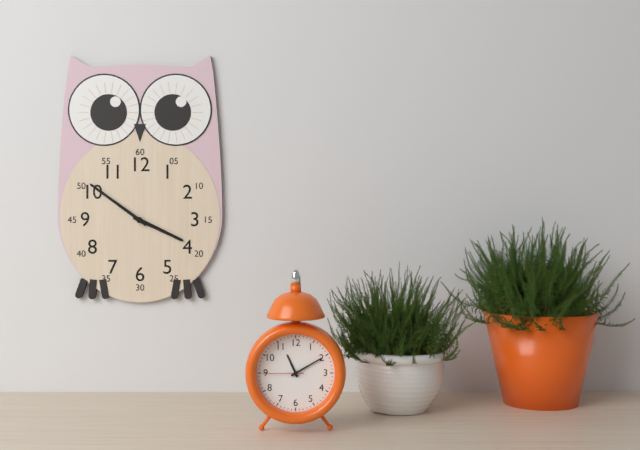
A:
3.51
